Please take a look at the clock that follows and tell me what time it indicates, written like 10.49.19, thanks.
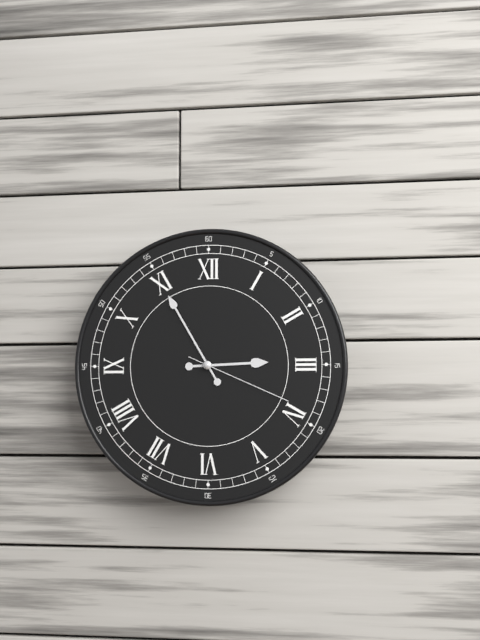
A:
2.55.19
